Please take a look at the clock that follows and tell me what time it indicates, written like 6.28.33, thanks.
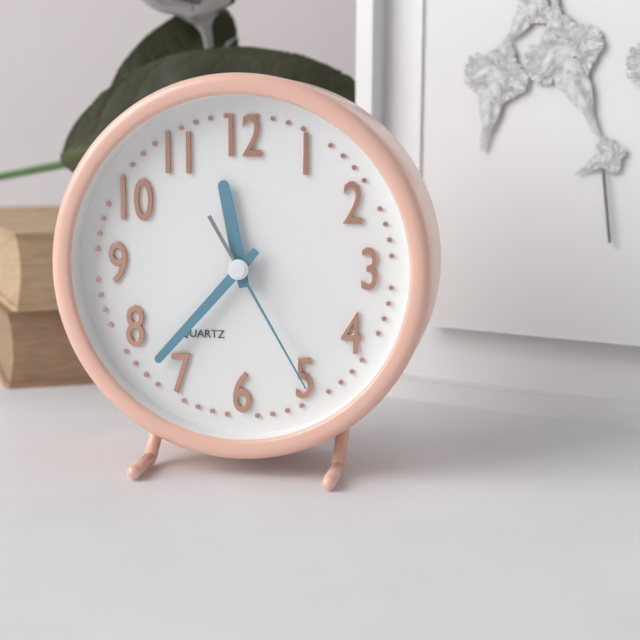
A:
11.37.25
